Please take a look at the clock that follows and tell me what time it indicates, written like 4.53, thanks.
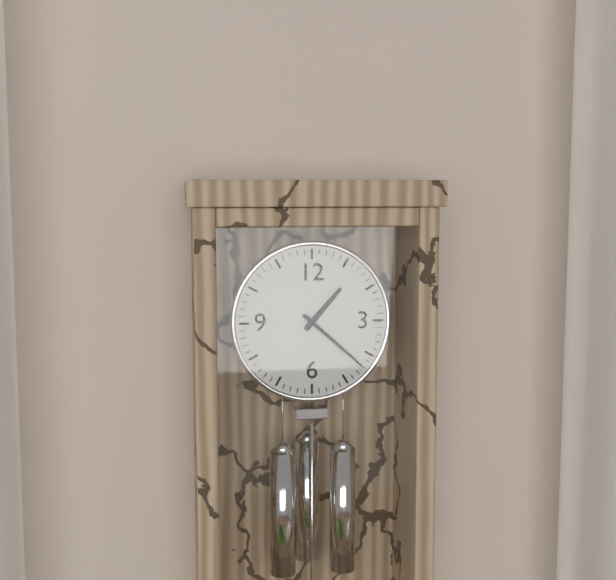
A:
1.22
